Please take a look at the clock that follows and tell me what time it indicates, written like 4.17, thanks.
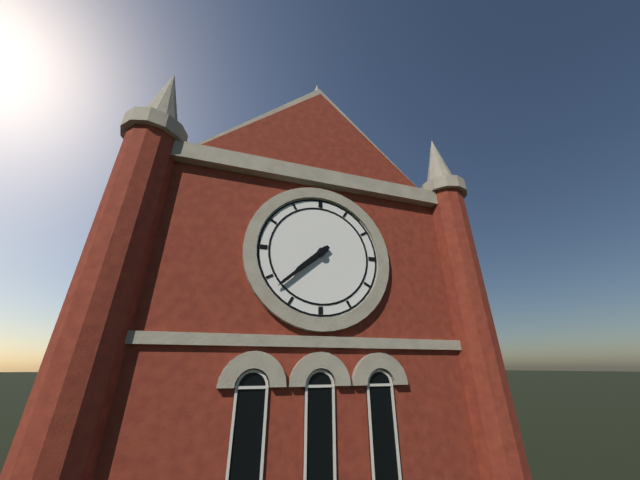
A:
7.38
